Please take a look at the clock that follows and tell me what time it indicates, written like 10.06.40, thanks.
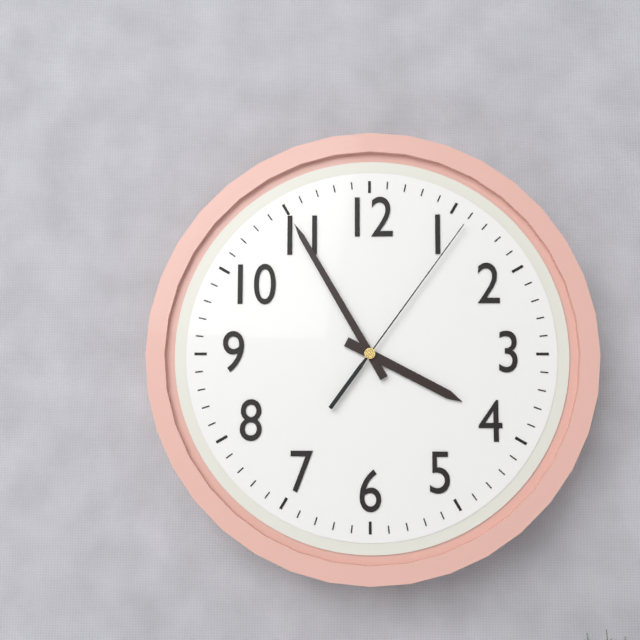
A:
3.55.06
